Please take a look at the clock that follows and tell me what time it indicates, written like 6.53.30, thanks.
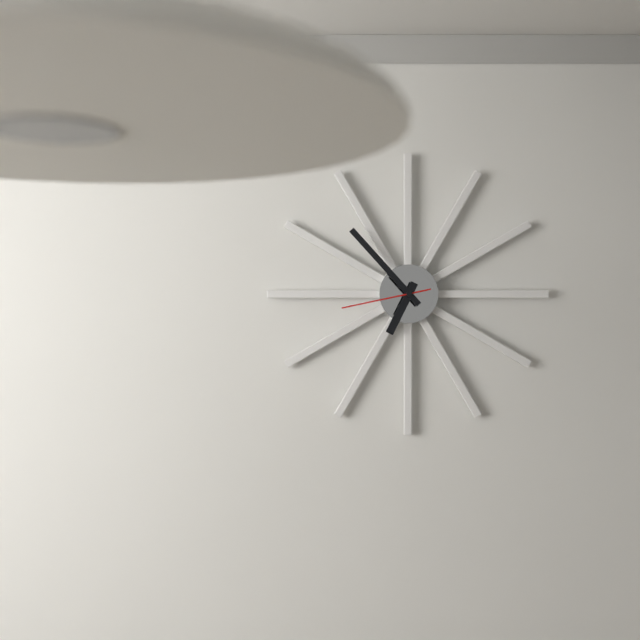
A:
6.53.43
